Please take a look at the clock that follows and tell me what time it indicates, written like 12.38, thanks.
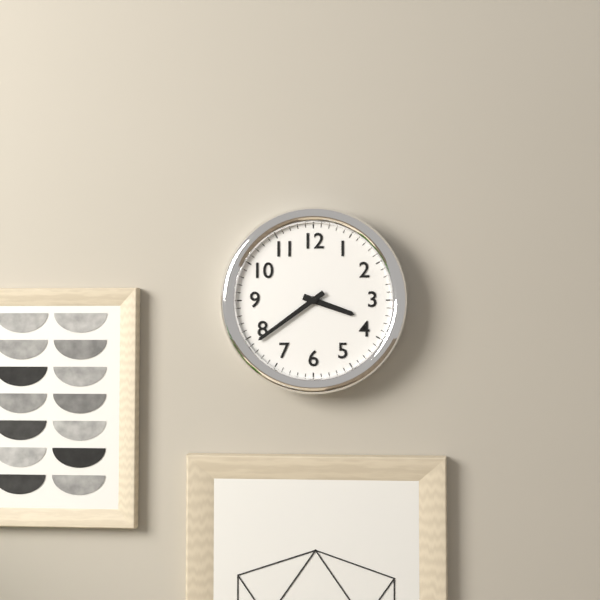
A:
3.39
